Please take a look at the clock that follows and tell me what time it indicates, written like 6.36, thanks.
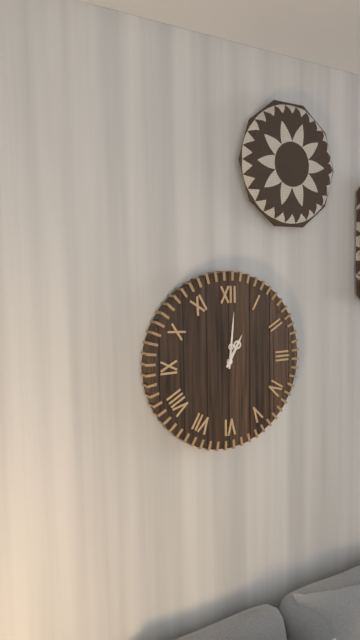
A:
1.01
